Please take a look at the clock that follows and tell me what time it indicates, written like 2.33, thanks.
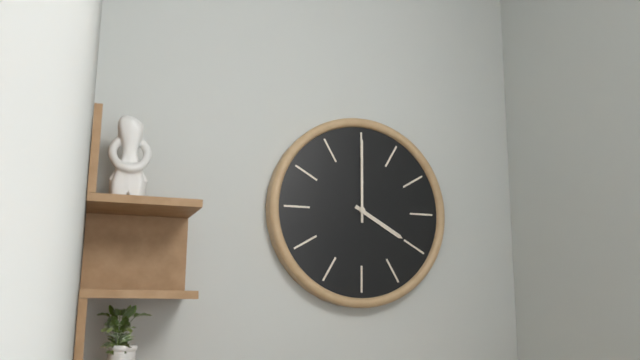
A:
4.00
